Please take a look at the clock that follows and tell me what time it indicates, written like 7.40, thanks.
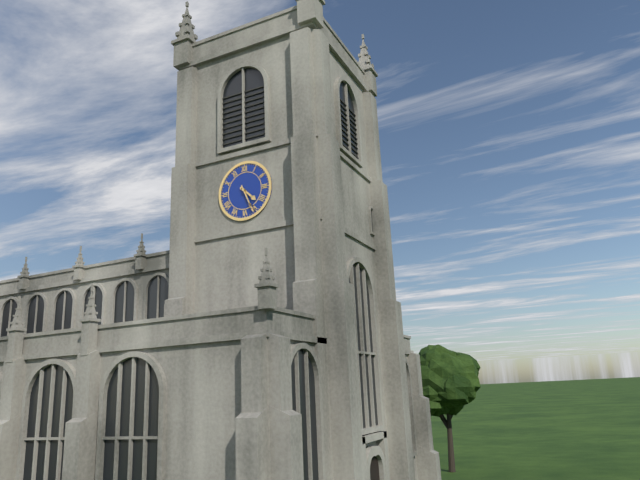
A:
4.26
